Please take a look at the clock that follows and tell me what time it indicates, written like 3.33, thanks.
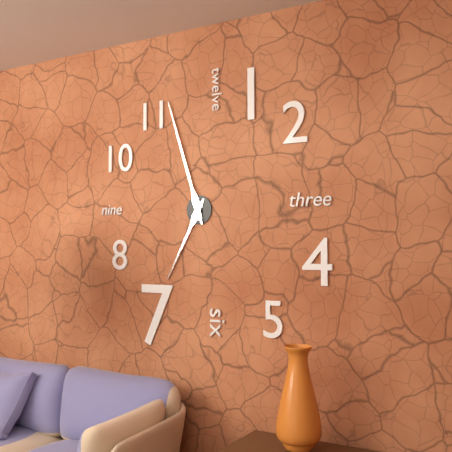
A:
6.57
